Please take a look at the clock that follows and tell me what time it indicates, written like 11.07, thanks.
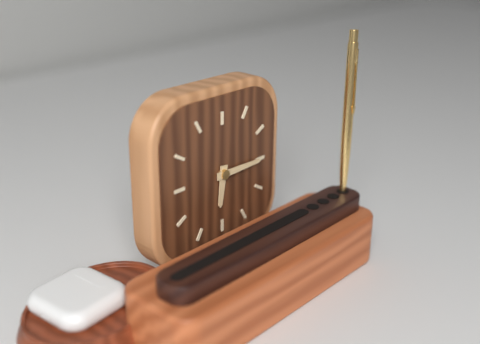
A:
6.15
